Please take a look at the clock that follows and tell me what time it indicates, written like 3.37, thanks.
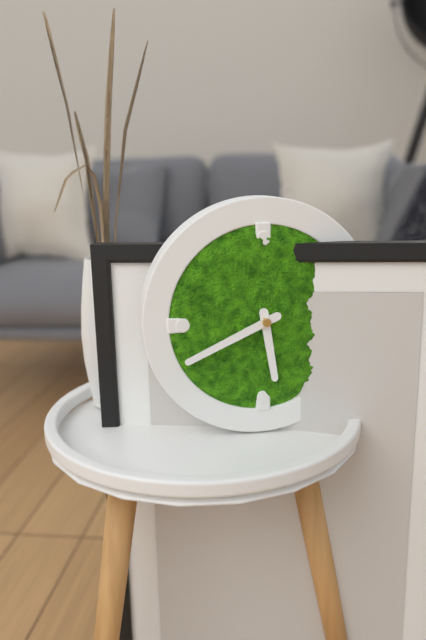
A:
5.41
